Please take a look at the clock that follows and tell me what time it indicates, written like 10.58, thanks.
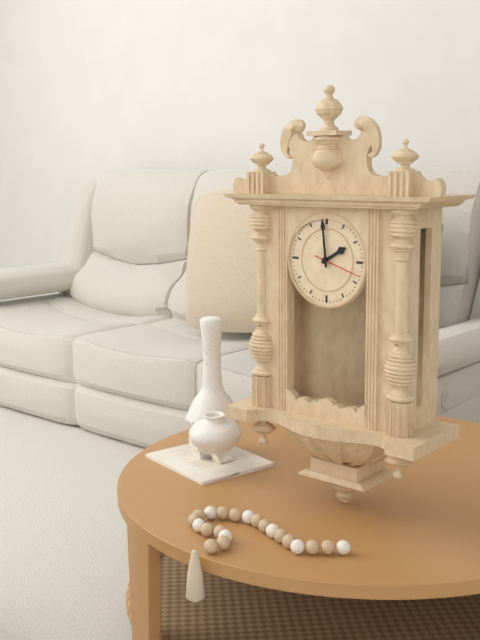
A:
1.59
